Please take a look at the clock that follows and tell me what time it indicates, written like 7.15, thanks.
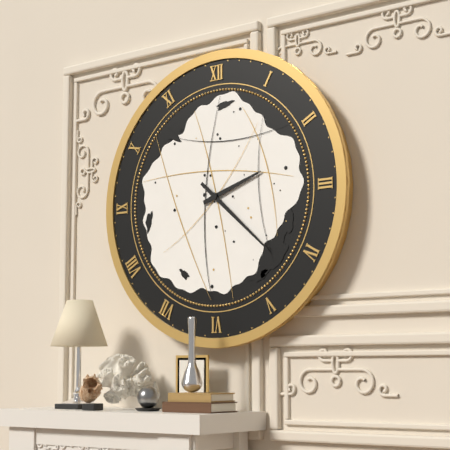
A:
2.22
